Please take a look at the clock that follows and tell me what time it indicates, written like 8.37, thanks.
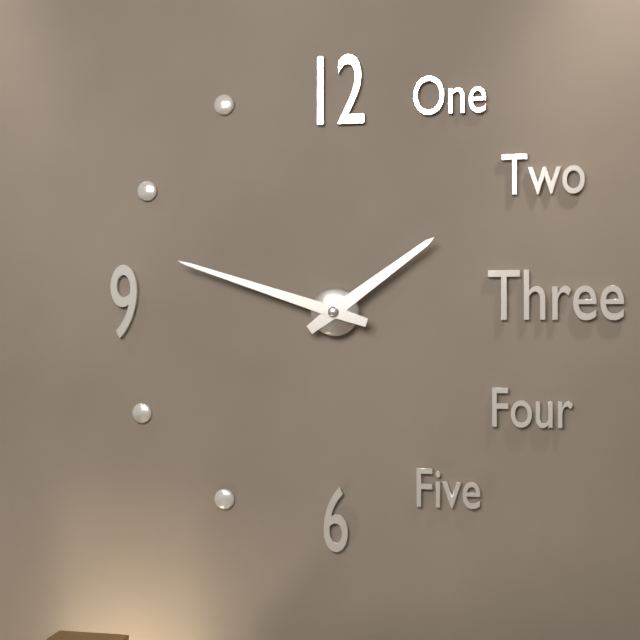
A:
1.48
